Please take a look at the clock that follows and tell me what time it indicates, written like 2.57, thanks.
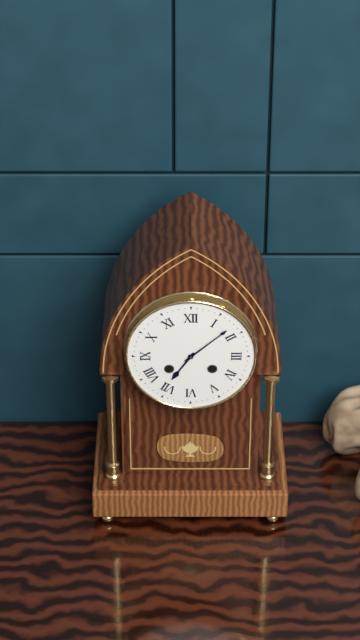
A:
7.08
